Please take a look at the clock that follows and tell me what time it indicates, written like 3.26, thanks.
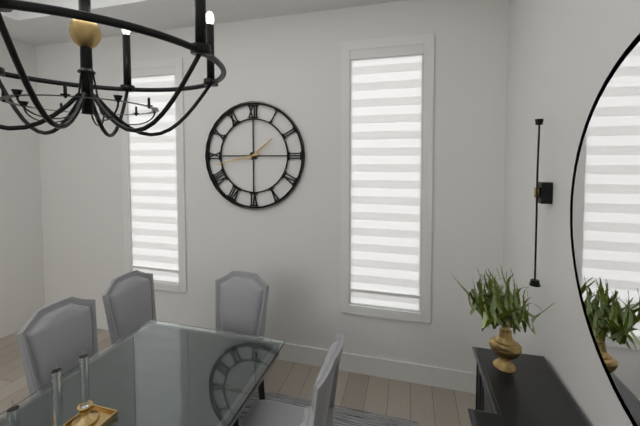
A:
1.43
